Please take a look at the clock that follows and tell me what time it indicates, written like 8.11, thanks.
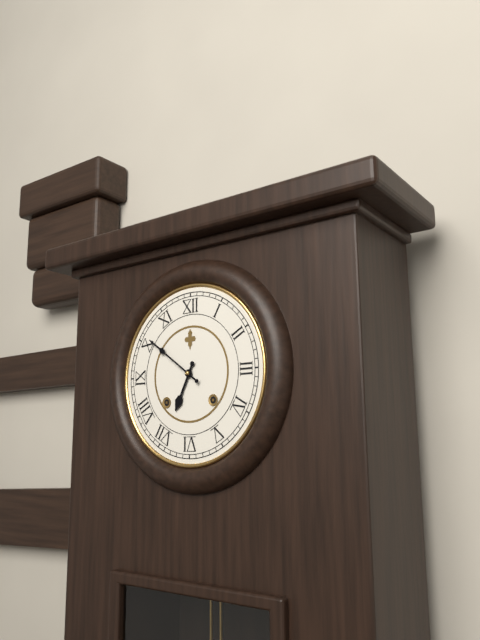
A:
6.51
